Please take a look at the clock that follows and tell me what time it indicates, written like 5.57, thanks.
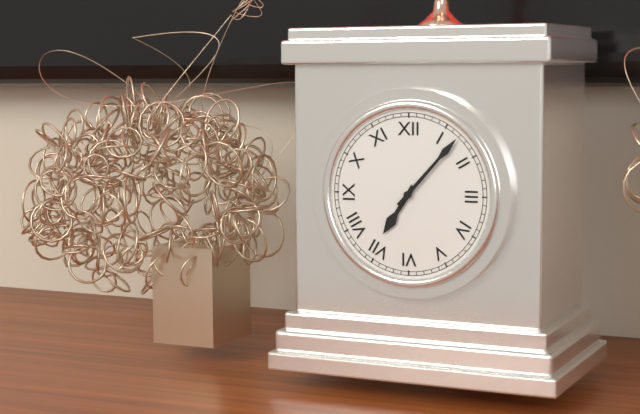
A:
7.07
